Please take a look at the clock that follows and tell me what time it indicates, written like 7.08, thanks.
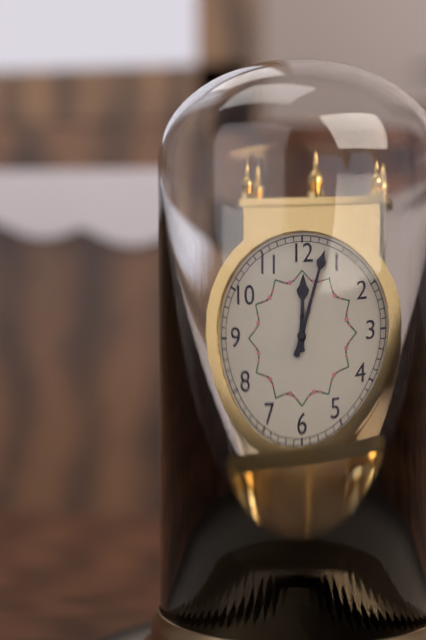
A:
12.03
